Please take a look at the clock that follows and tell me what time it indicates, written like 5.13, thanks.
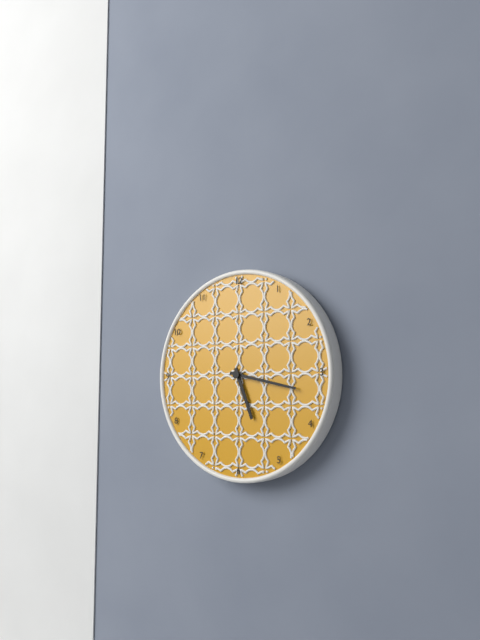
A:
5.17
